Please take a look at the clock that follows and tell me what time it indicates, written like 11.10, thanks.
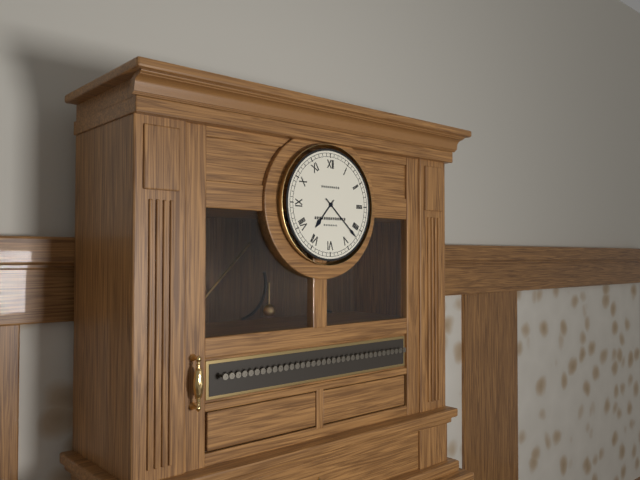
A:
7.22
